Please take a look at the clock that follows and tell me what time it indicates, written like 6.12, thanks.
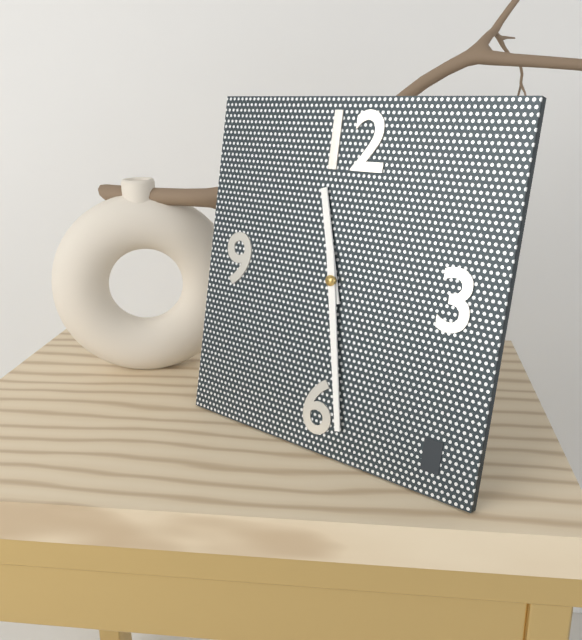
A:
11.28
